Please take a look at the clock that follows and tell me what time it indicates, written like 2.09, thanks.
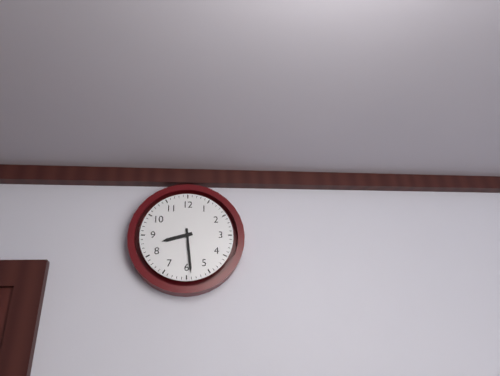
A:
8.29
